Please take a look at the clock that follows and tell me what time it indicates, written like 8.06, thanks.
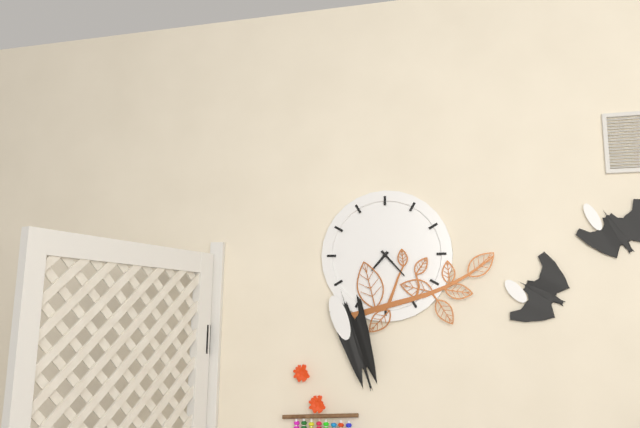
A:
7.23
